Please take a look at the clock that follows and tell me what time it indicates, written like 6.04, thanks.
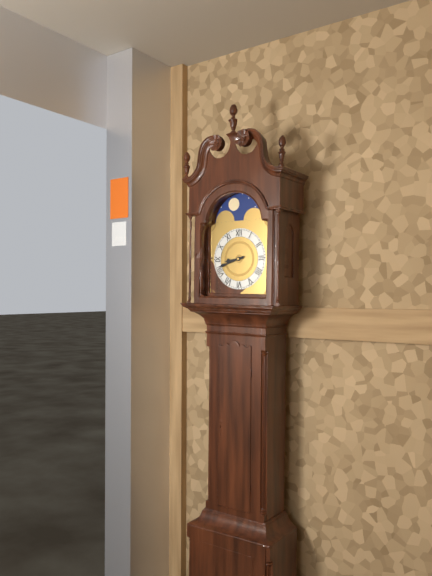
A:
8.42
